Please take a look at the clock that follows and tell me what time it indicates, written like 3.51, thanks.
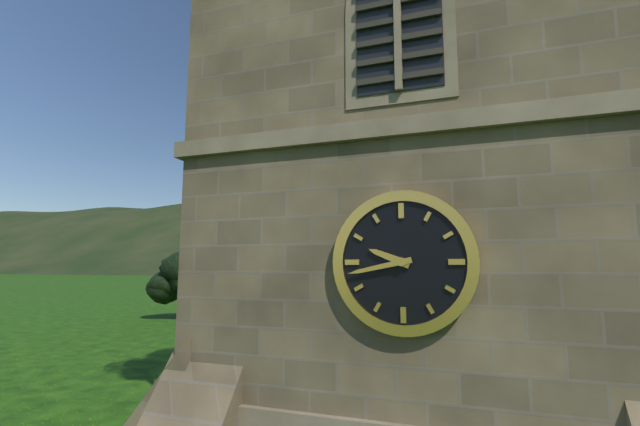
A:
9.43
